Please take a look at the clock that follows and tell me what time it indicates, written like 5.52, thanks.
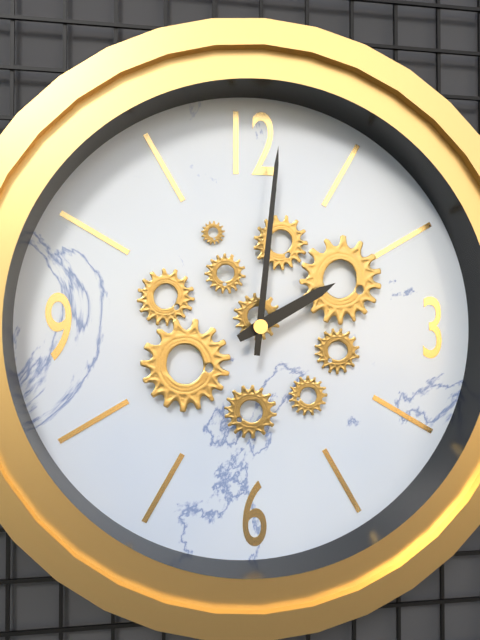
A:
2.01
